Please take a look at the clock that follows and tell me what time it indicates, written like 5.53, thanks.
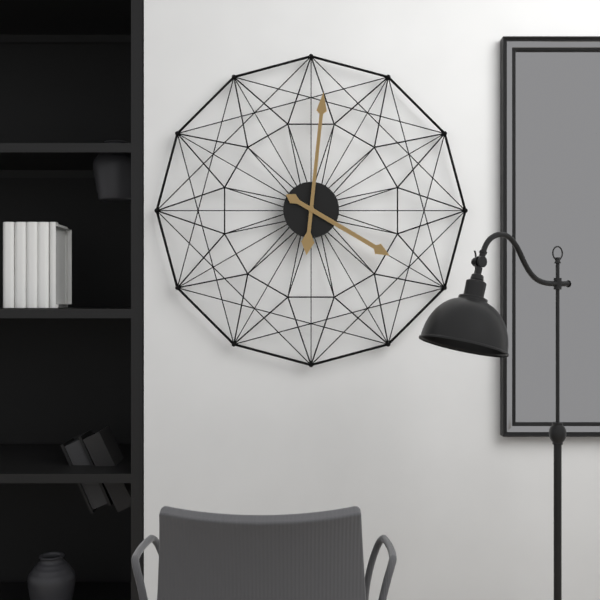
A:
4.01
